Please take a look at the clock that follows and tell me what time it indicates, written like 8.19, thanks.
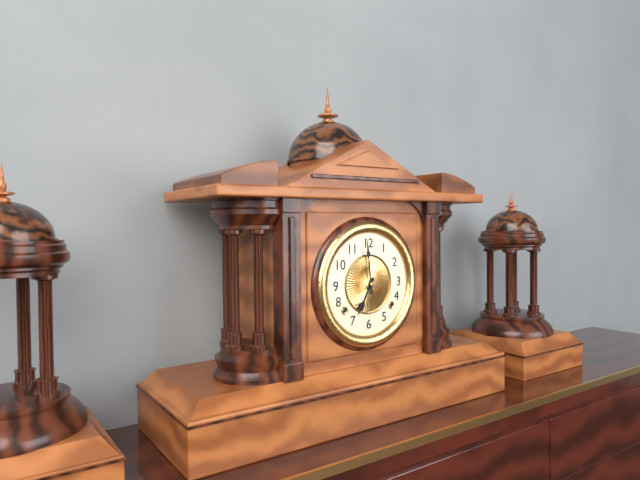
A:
6.59
